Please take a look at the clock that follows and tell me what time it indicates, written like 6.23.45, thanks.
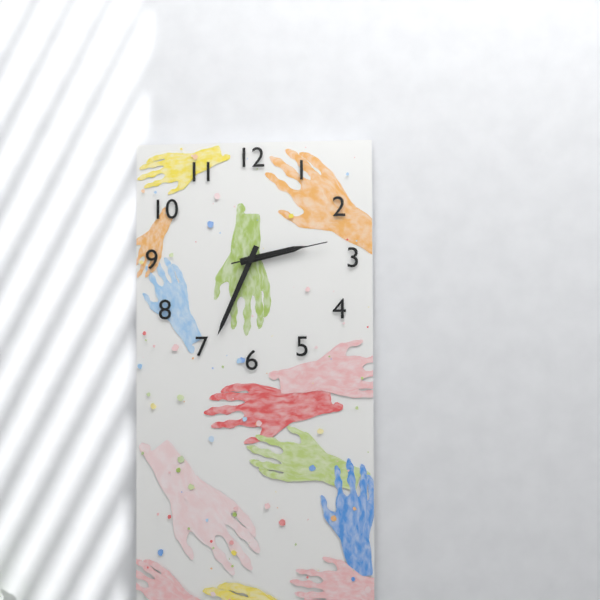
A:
2.34.13
